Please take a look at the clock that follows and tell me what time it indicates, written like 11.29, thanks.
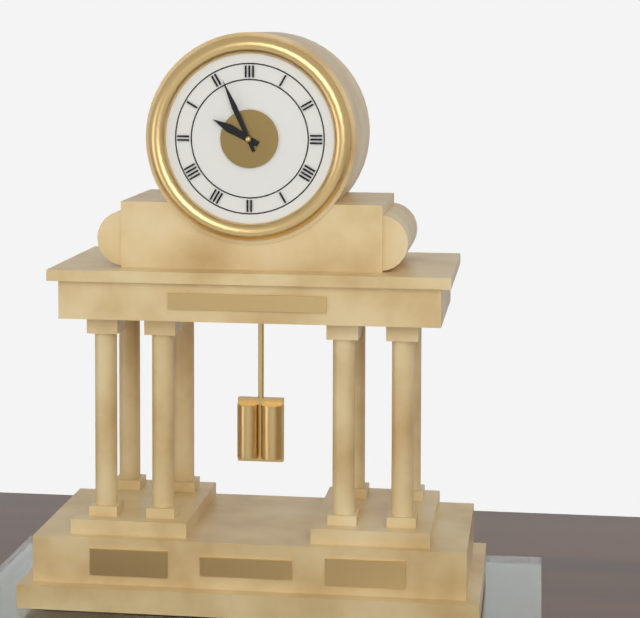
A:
9.56
